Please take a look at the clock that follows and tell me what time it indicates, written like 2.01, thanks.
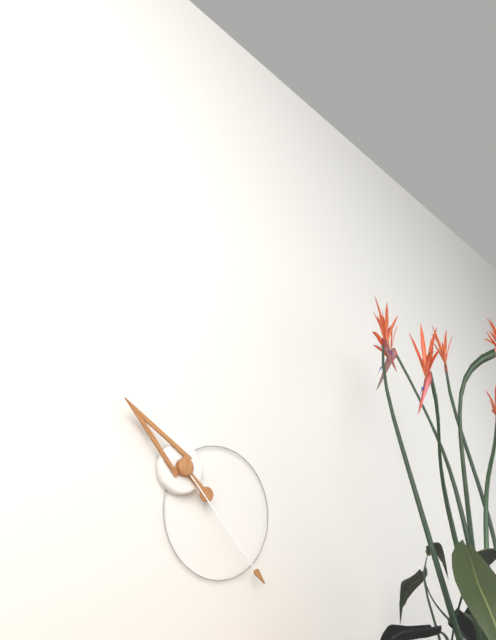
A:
10.23
